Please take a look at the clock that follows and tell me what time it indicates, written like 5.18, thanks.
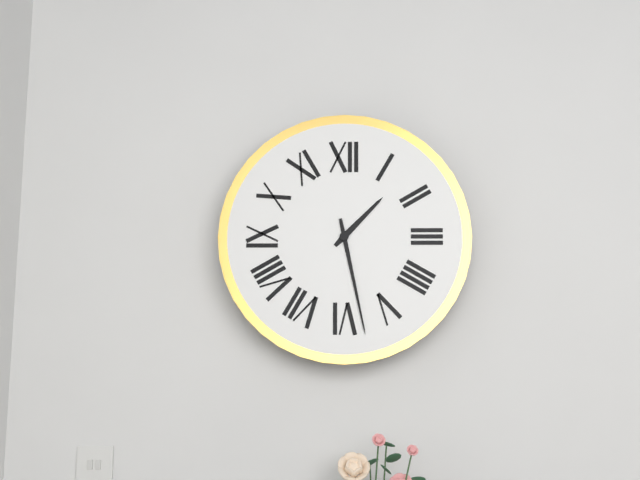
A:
1.28
